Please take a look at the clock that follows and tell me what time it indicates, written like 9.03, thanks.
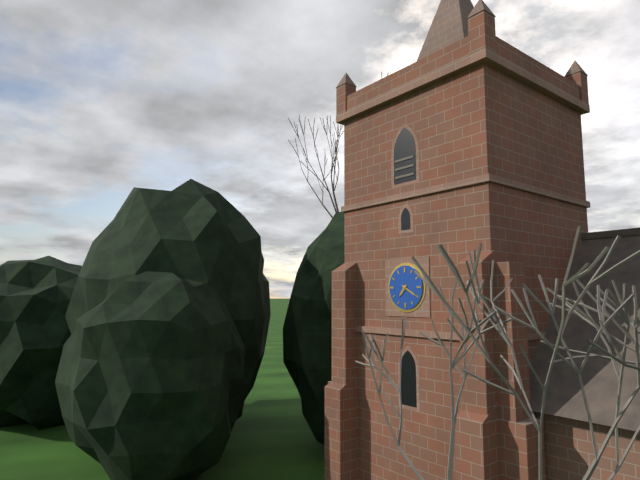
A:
7.20
